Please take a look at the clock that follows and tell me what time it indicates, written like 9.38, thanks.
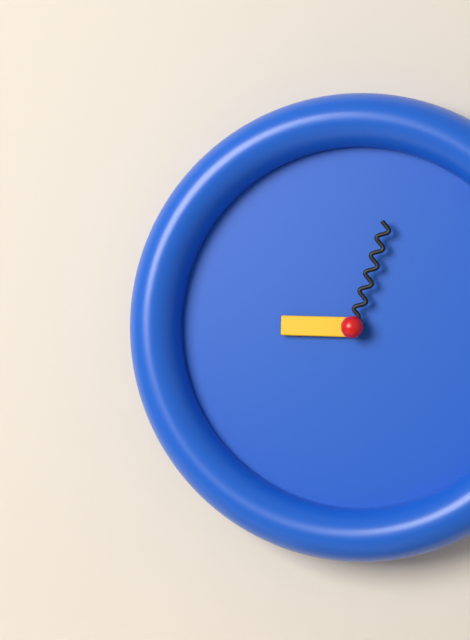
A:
9.03
